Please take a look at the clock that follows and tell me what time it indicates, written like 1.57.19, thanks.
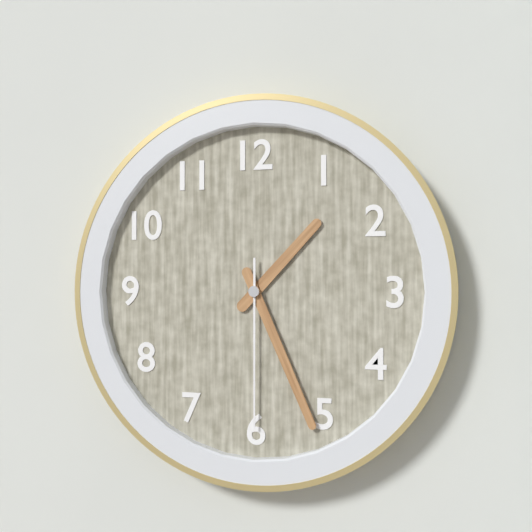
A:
1.26.30
